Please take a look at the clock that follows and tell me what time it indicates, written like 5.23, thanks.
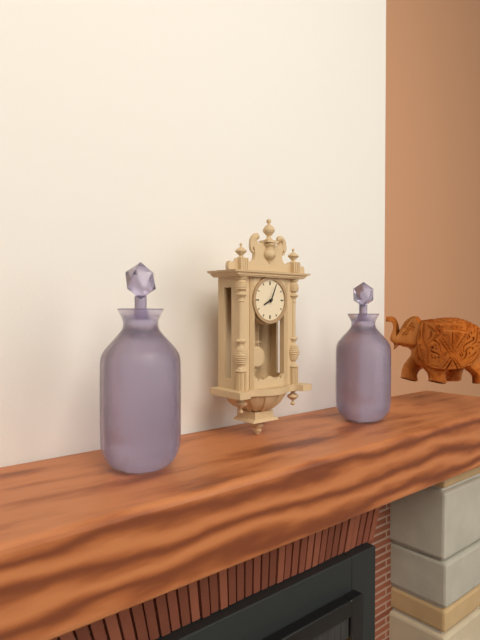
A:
8.04
